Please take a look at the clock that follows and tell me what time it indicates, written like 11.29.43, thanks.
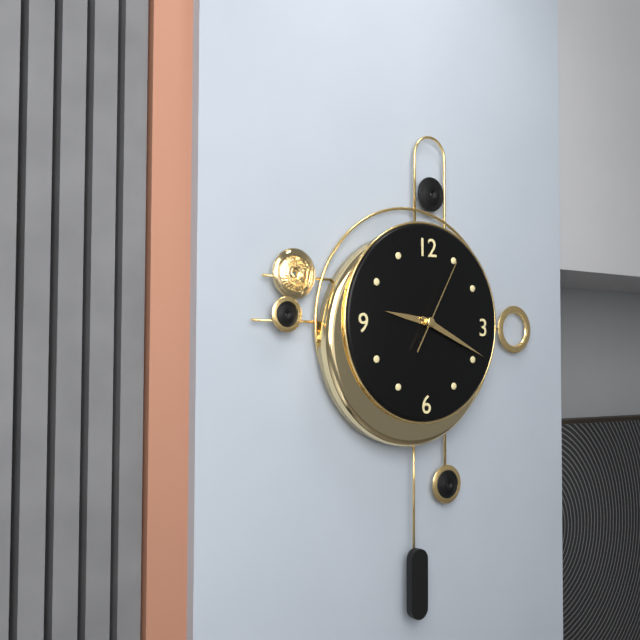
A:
9.19.05
